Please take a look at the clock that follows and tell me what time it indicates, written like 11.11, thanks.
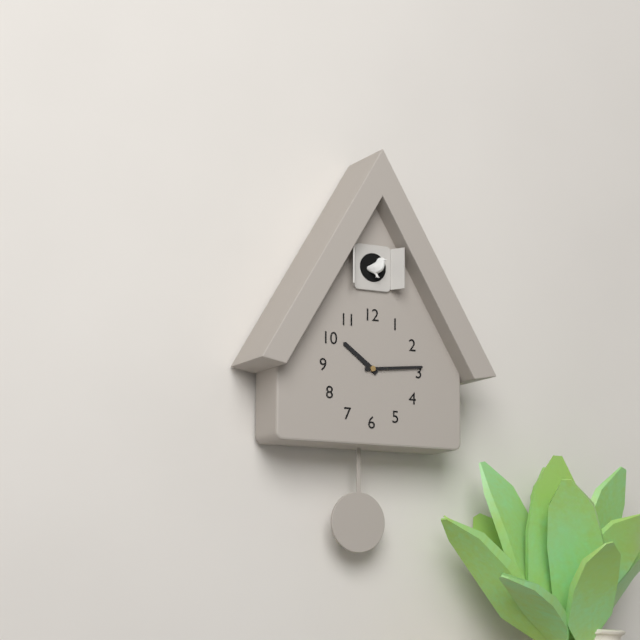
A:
10.14
